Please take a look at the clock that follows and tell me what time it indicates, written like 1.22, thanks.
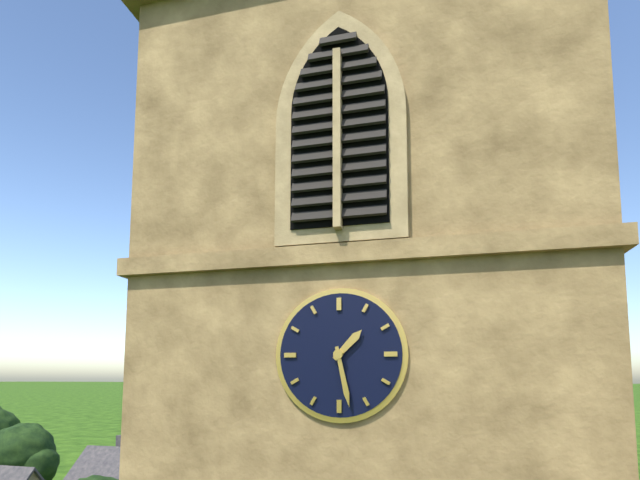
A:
1.28
